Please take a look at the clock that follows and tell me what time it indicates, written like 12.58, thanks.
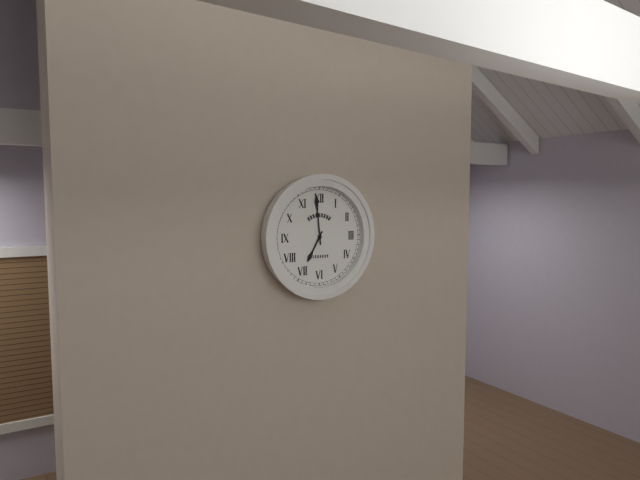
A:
6.59
